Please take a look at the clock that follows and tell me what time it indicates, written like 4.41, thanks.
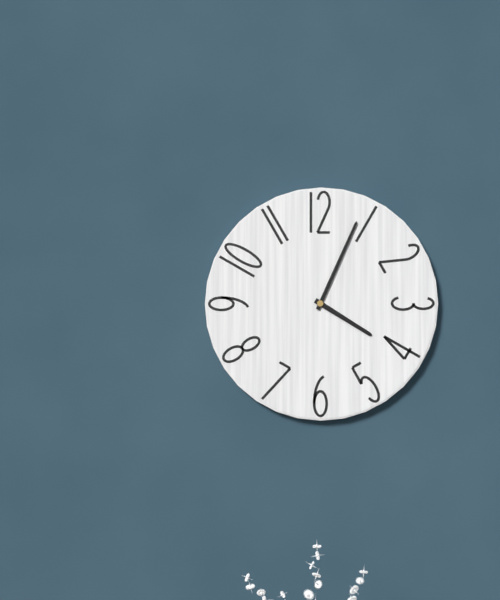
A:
4.04
